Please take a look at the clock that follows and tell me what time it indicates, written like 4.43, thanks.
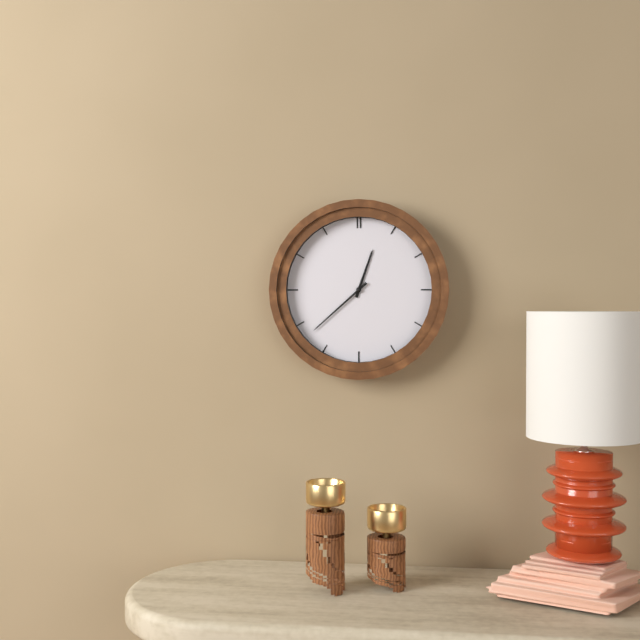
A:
12.38
